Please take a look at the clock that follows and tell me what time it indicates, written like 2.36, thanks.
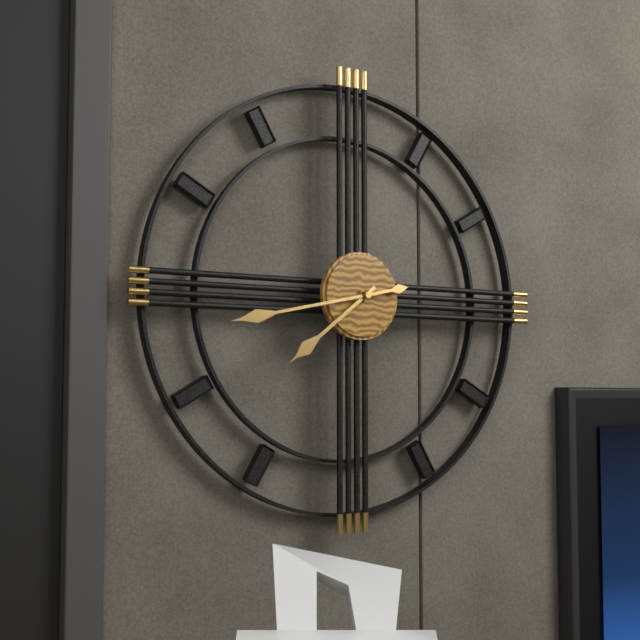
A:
7.43
